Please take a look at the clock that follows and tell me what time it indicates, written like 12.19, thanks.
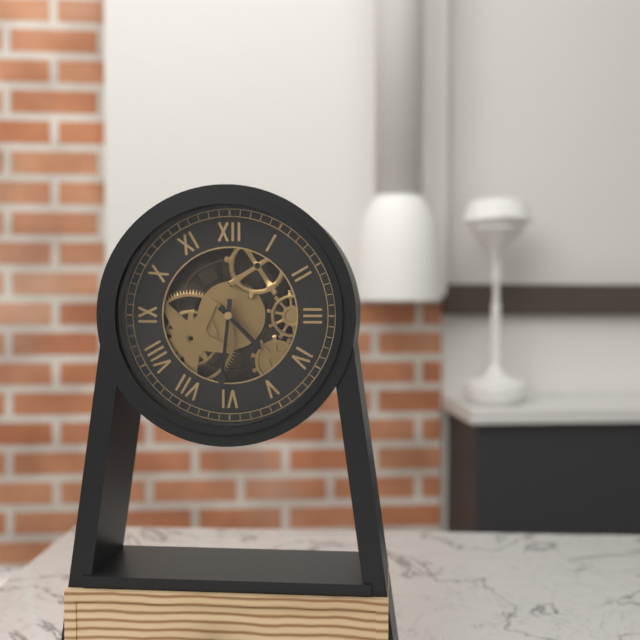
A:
4.31
